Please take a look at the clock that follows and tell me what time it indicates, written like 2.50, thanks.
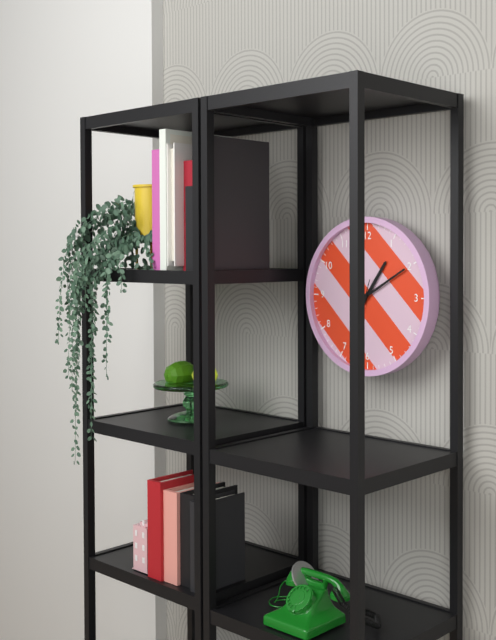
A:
1.10
